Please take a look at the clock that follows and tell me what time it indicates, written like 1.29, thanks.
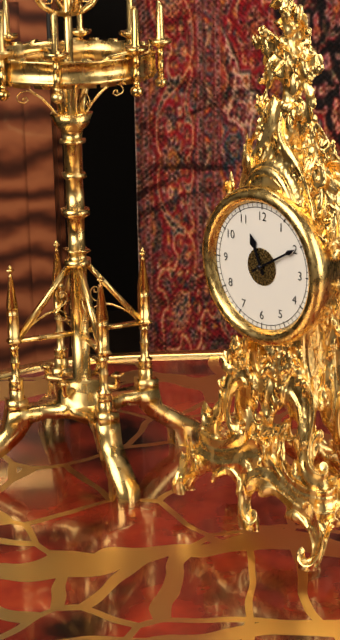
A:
11.10
